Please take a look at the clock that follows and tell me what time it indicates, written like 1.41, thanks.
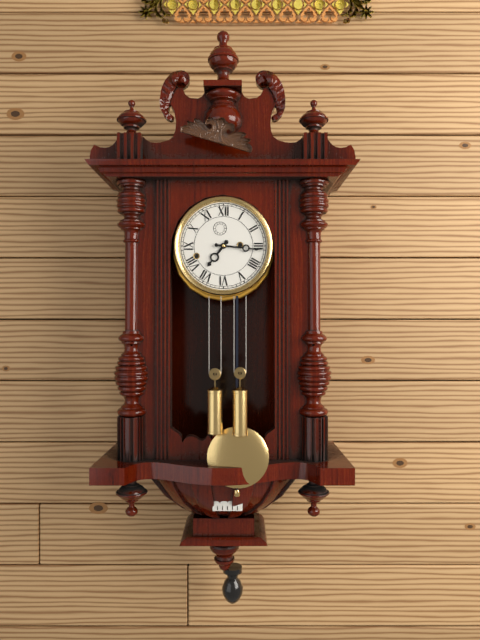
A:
7.16
